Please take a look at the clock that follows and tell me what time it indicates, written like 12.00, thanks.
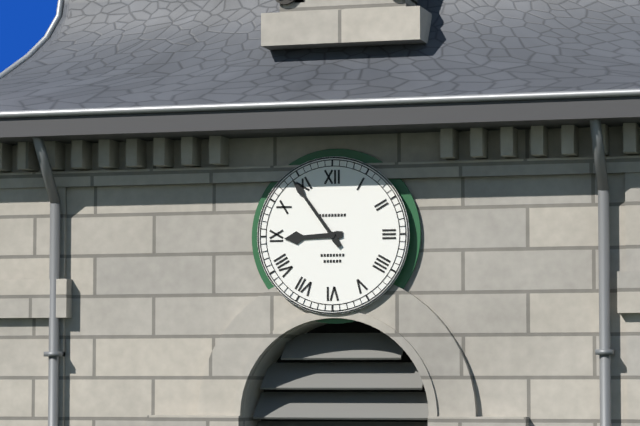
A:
8.54
